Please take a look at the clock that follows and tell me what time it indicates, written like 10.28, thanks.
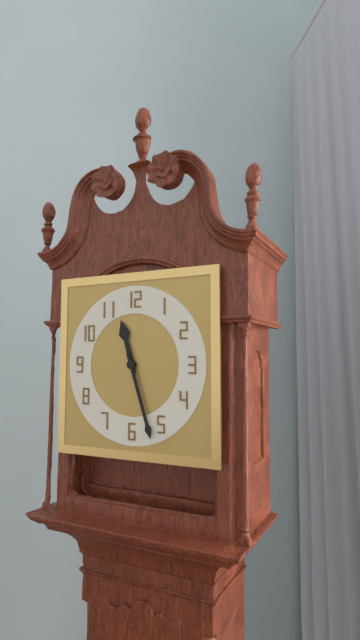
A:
11.27
